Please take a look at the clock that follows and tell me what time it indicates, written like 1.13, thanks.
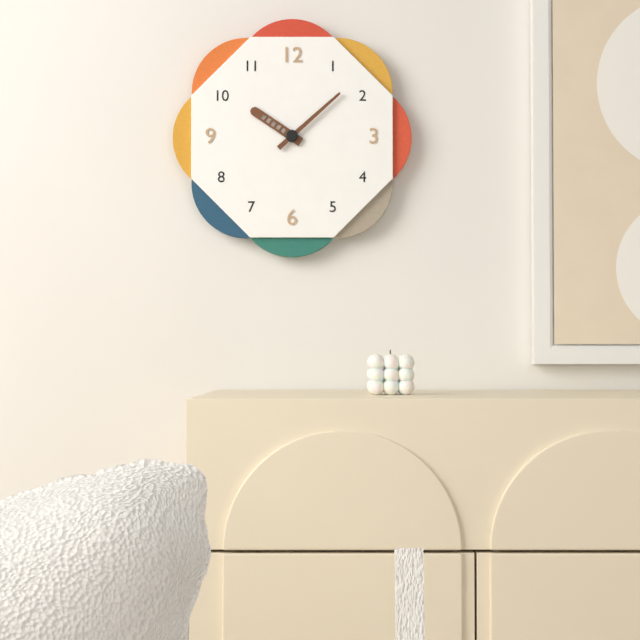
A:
10.08
